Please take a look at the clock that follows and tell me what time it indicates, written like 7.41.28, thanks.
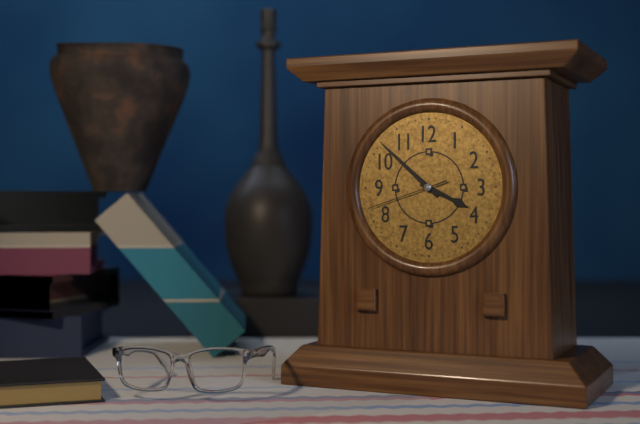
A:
3.52.42
